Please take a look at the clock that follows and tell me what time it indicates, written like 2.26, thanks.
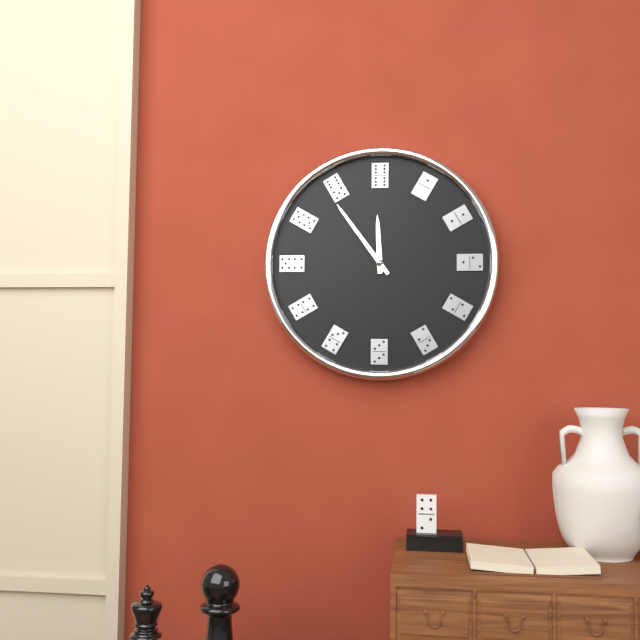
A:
11.54
